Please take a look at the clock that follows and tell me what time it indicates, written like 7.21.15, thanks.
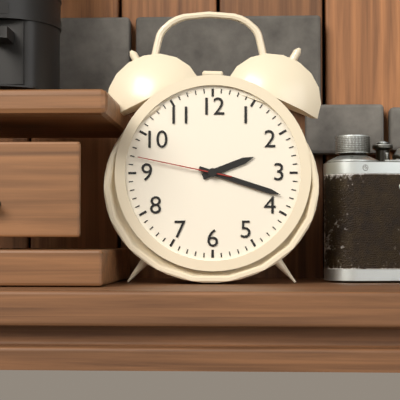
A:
2.18.47
